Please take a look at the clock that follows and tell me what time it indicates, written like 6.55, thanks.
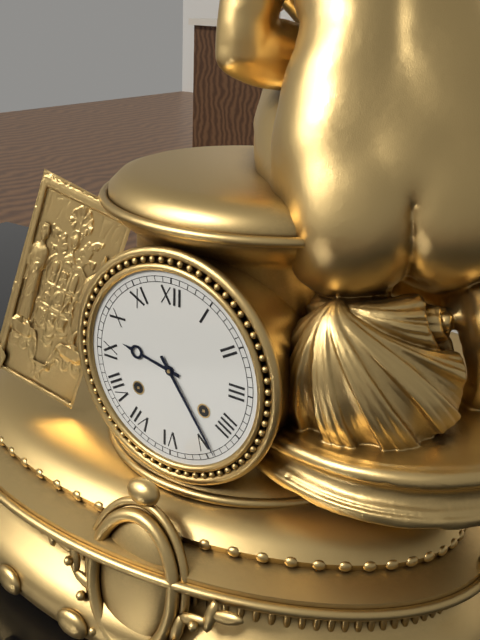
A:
9.24
